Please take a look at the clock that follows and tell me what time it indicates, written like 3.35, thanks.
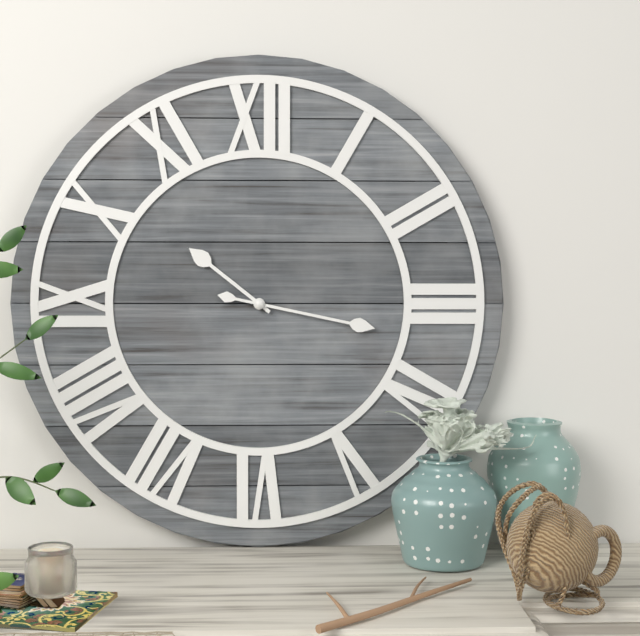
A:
10.17
